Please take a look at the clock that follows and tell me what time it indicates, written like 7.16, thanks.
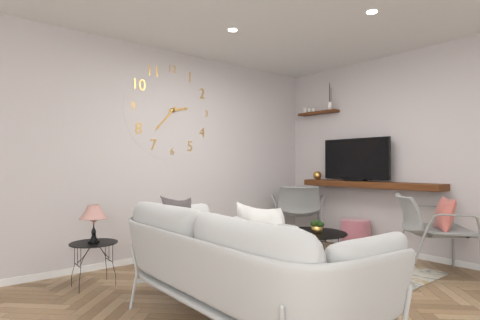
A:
2.37
